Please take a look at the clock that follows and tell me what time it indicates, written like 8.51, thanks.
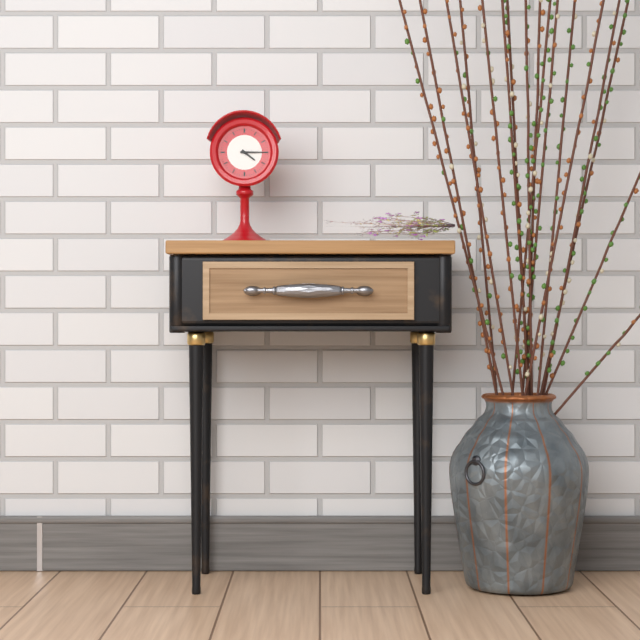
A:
4.15
